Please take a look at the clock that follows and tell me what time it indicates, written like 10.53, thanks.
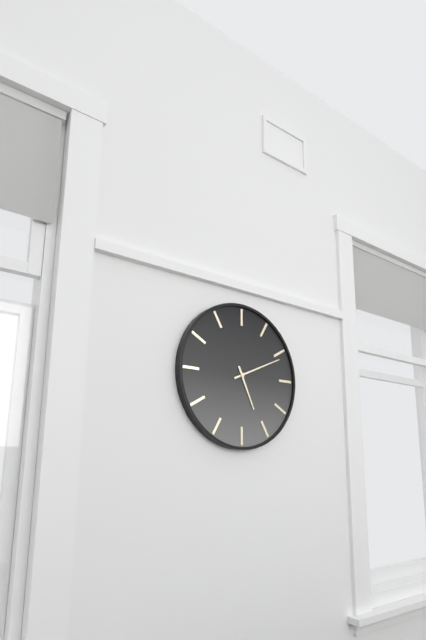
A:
5.11
